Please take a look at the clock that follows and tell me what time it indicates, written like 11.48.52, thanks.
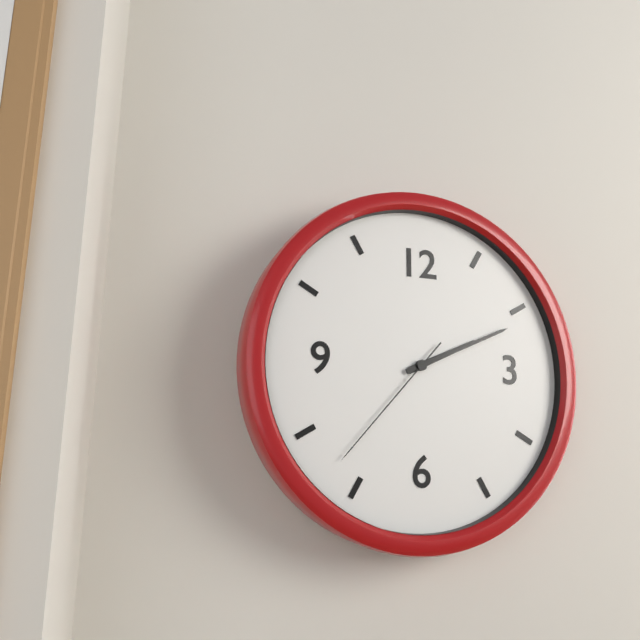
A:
2.11.37
